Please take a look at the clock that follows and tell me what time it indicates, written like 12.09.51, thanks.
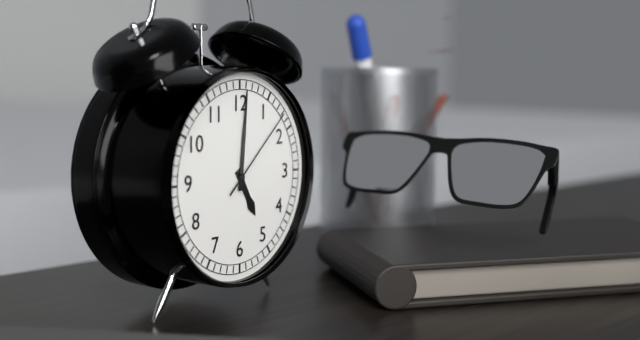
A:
5.01.08
